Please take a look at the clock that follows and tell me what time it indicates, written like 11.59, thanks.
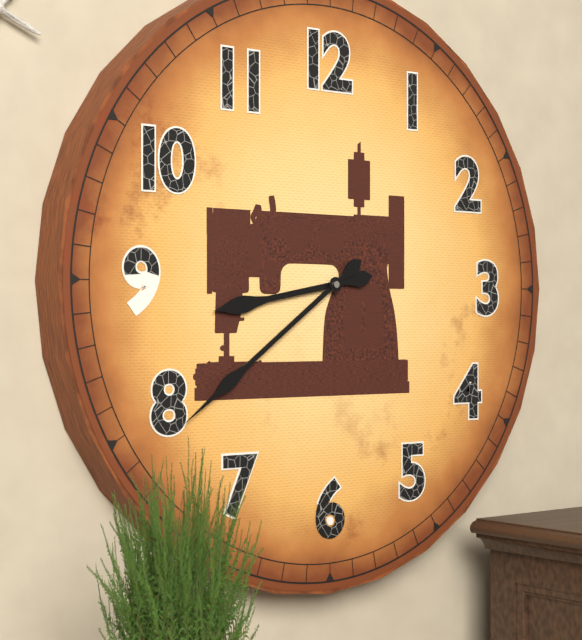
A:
8.39
